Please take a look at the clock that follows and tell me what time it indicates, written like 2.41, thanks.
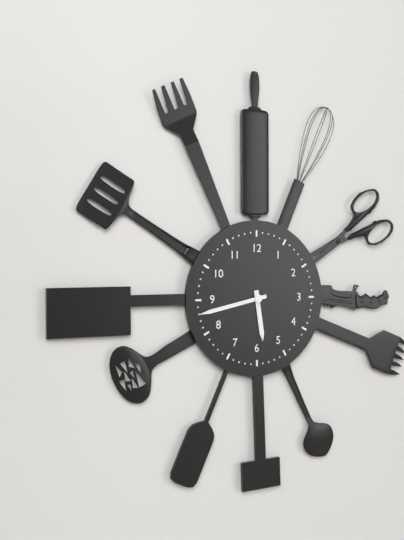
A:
5.43
